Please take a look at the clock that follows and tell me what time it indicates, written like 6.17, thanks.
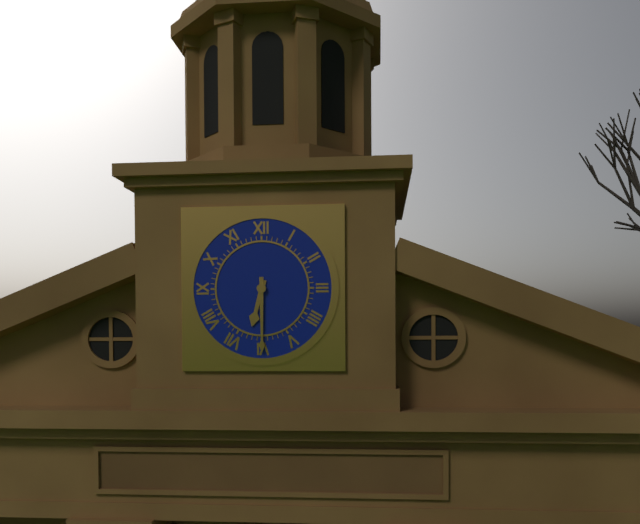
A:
6.30
